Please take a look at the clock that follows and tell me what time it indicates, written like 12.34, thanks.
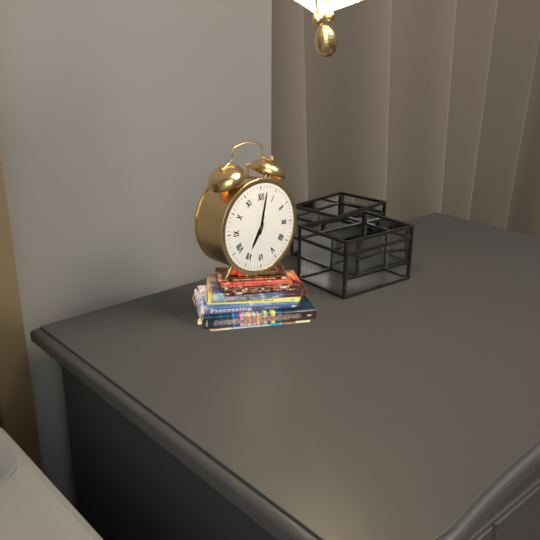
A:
7.02
